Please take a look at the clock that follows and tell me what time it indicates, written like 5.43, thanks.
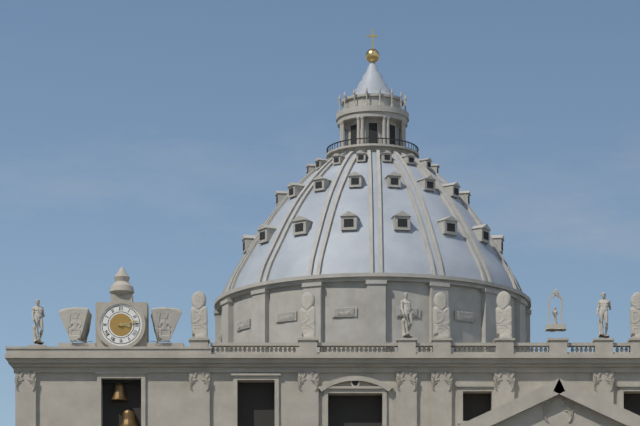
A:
3.13
